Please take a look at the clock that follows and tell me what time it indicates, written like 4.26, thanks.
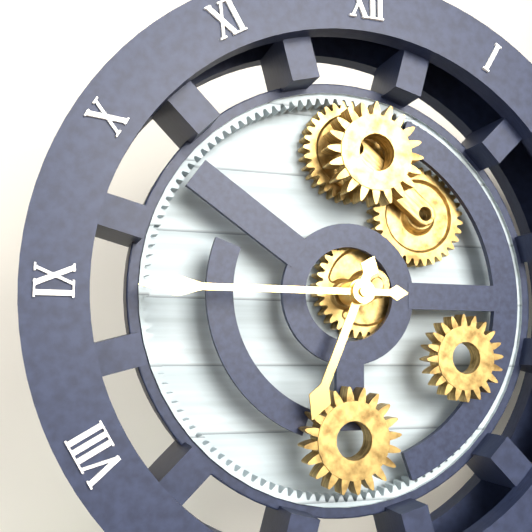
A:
6.45
